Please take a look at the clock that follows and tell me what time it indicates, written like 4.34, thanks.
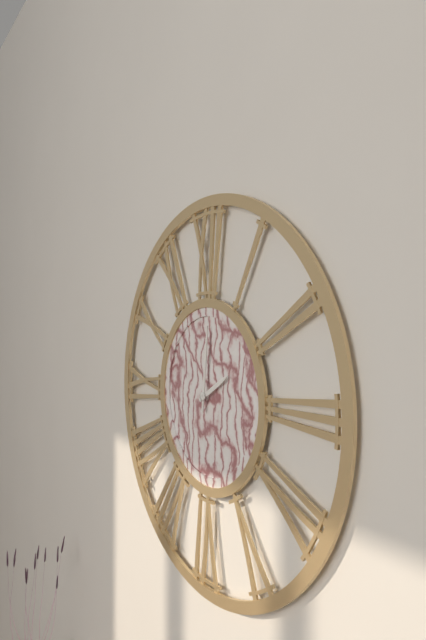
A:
2.01
